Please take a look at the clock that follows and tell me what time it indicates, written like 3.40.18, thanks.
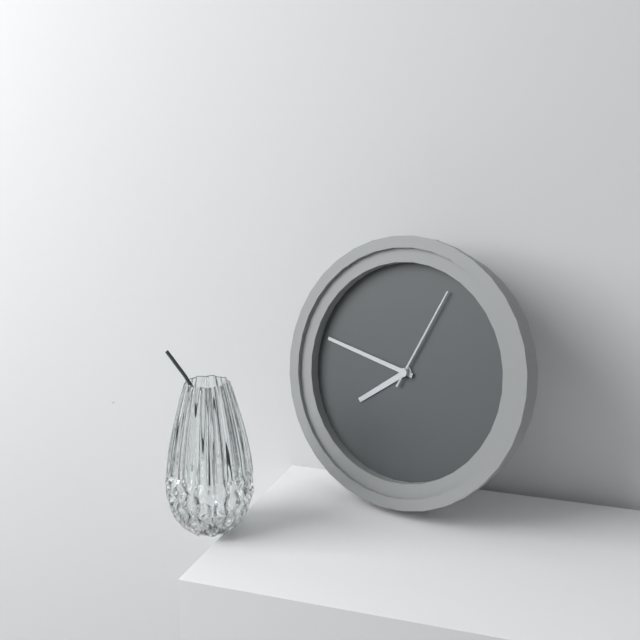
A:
7.47.04
